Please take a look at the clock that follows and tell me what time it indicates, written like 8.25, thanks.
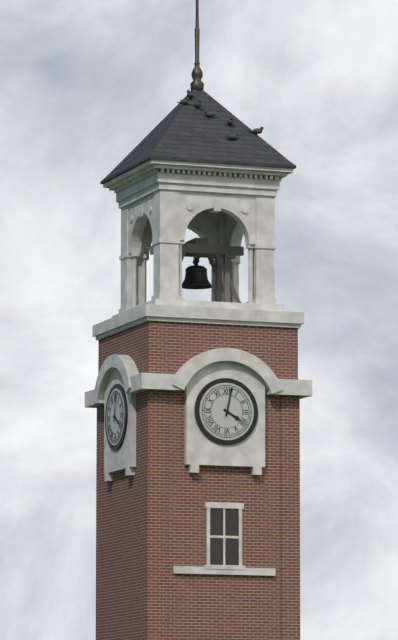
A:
4.02
